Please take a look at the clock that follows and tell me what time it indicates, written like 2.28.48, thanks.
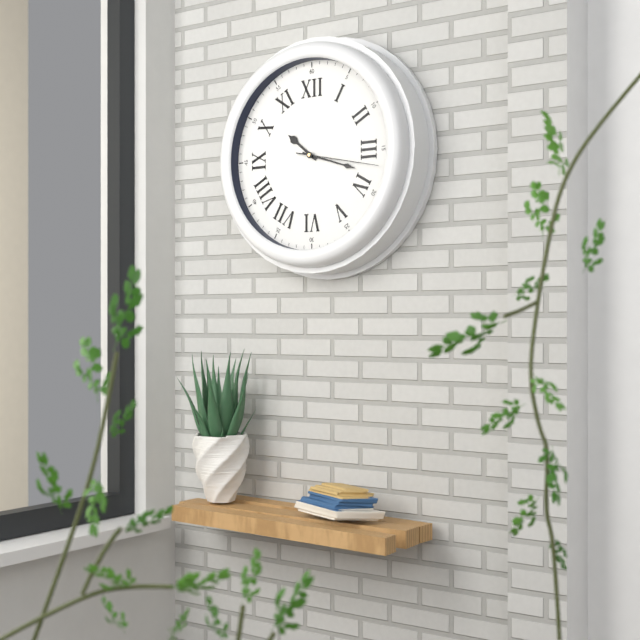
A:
10.18.17
